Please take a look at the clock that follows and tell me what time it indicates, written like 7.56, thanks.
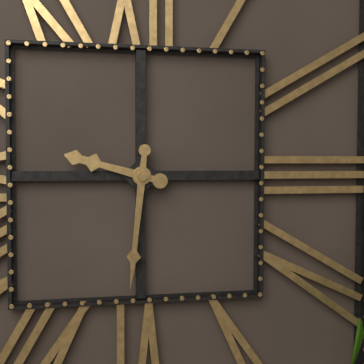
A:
9.31
